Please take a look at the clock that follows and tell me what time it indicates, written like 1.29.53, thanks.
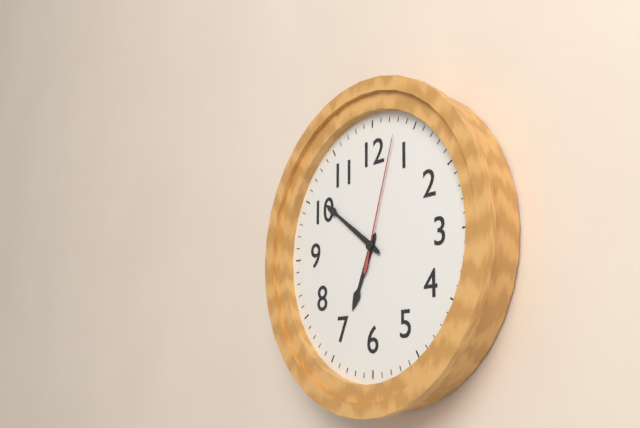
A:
6.51.03
